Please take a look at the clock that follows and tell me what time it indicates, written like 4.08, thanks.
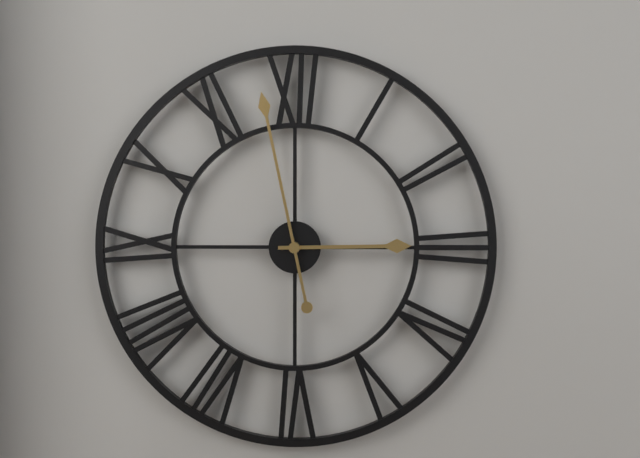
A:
2.58
